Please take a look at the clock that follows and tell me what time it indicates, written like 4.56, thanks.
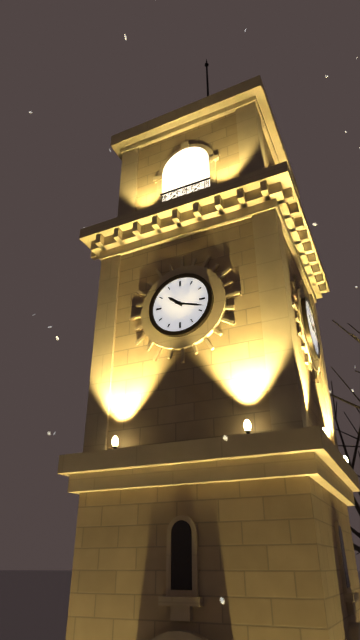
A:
10.18
